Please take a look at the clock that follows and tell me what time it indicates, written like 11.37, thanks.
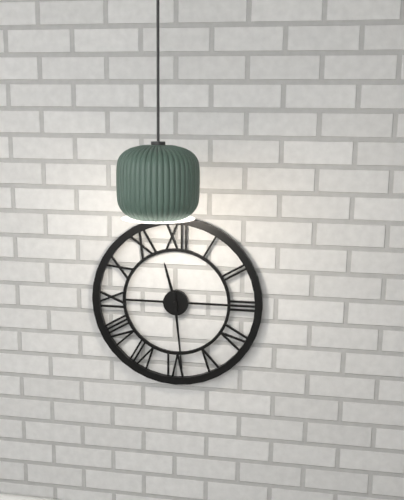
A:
11.29
